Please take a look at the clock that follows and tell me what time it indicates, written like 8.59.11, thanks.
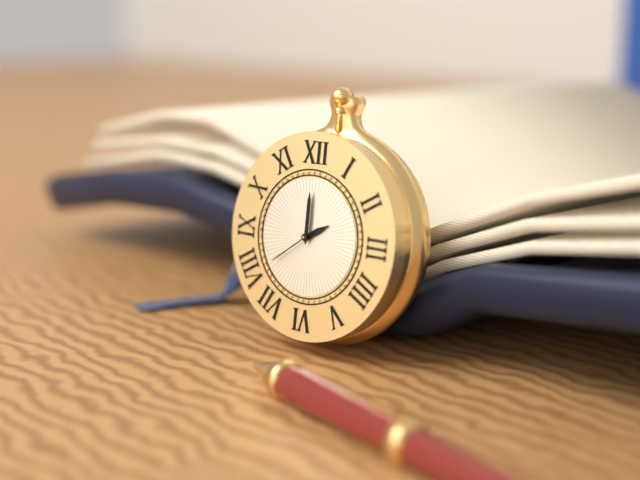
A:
2.00.39
